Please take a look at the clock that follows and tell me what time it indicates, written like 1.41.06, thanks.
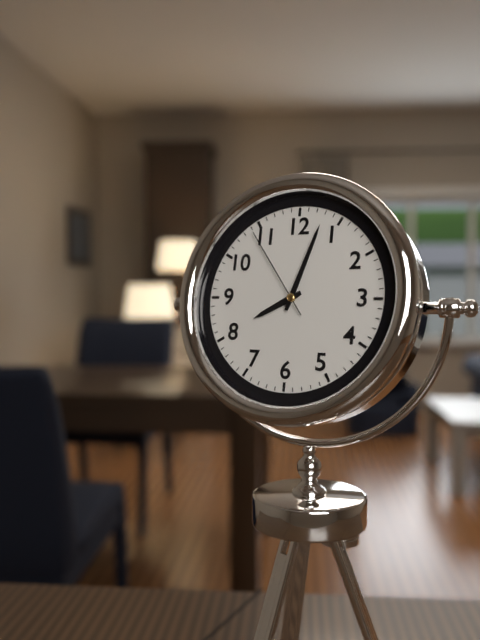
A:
8.03.54
